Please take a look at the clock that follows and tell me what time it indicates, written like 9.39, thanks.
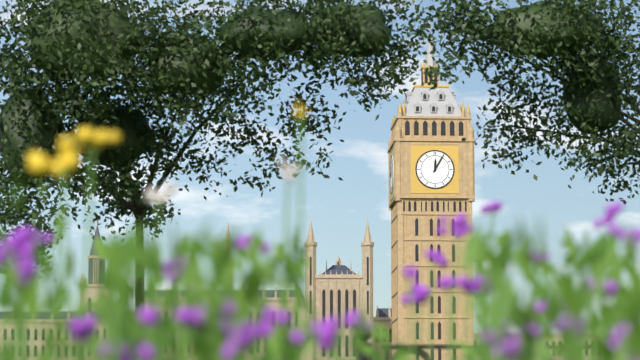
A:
12.05
